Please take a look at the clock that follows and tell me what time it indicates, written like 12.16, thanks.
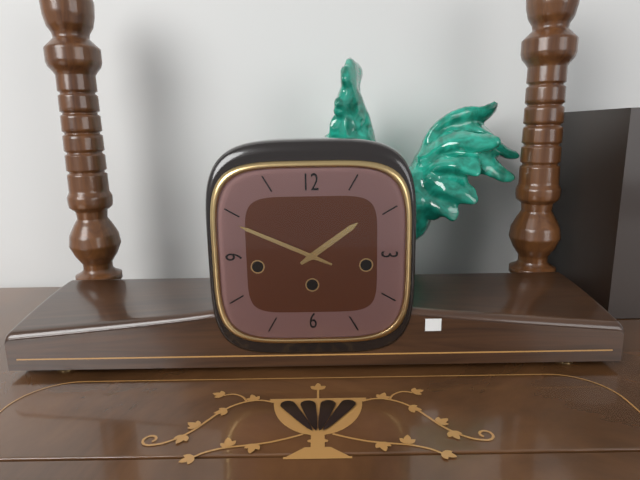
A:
1.49
